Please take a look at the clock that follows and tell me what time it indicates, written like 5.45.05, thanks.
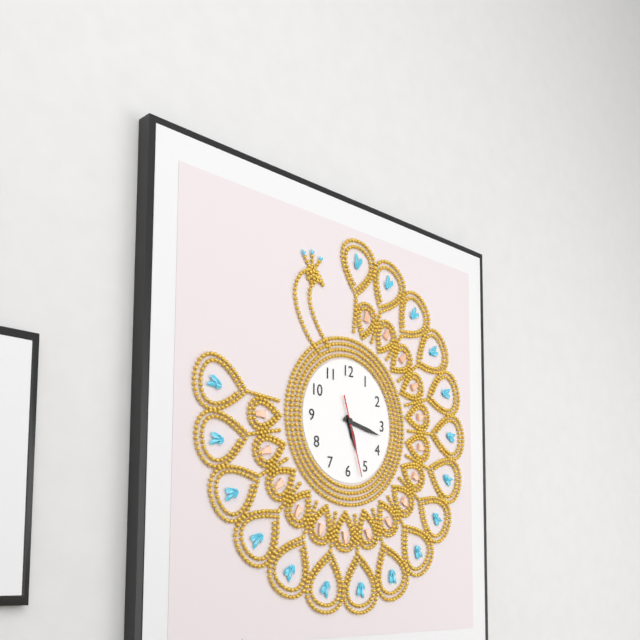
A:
5.17.27
